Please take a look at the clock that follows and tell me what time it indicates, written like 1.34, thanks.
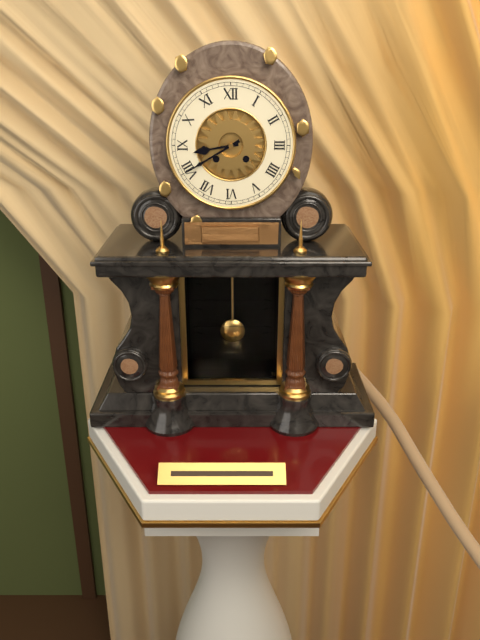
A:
8.40
